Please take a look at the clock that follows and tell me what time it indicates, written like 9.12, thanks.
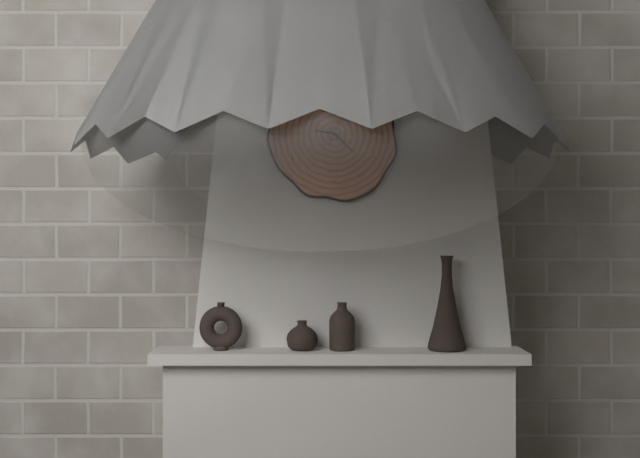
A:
9.22
